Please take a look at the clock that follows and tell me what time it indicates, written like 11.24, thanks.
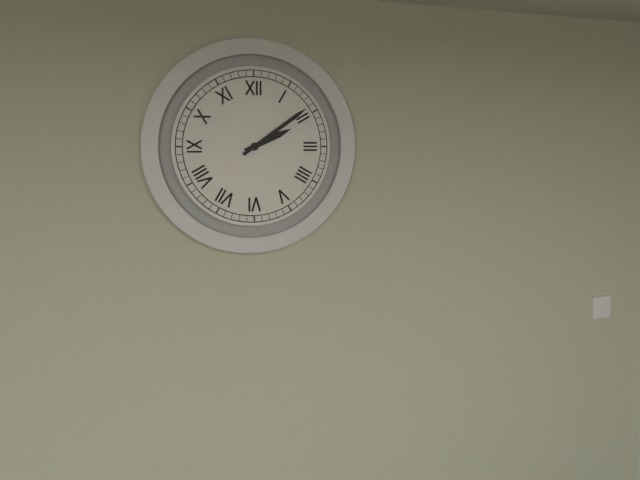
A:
2.09
